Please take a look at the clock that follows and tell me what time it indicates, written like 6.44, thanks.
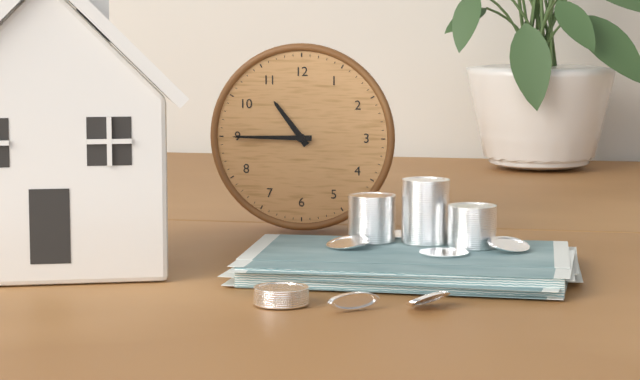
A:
10.45
